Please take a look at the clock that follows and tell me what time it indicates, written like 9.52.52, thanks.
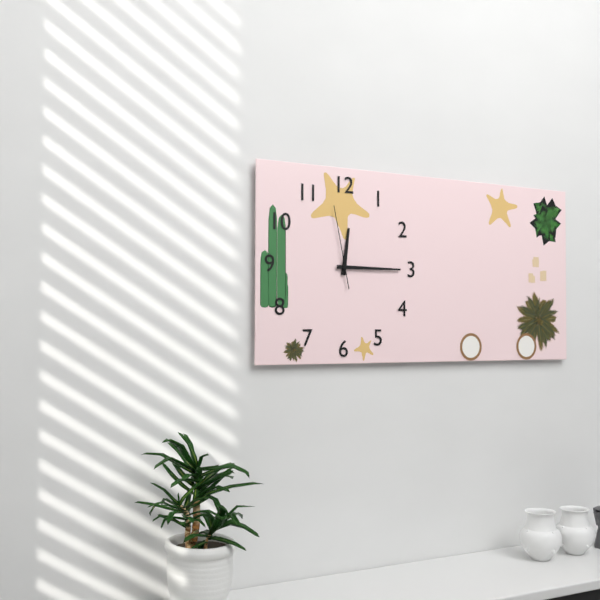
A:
12.15.58
